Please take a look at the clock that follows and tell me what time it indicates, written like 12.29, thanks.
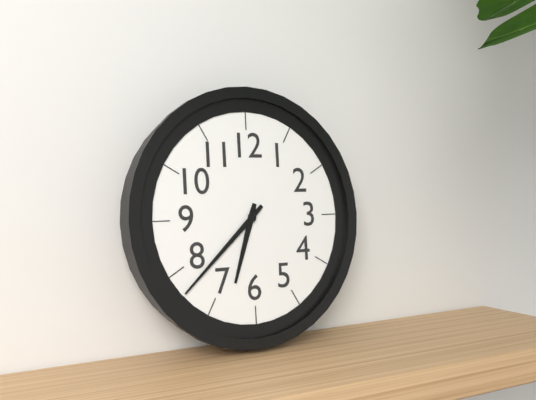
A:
6.38
